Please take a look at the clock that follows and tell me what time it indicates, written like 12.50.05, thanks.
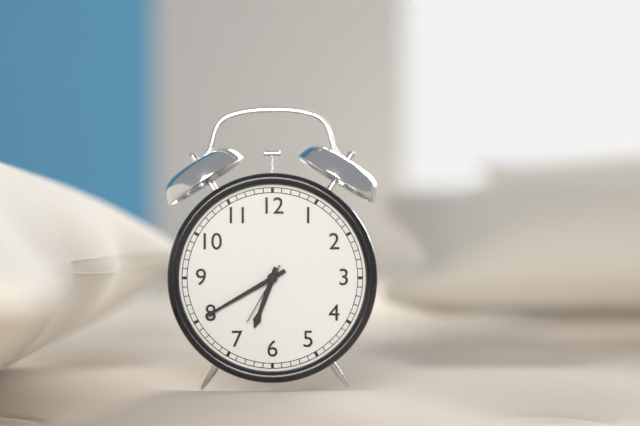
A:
6.40.35
